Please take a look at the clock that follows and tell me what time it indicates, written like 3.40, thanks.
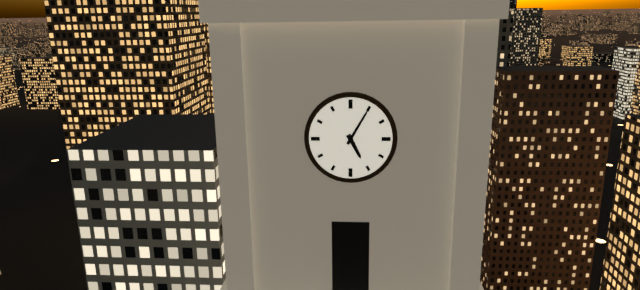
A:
5.05
